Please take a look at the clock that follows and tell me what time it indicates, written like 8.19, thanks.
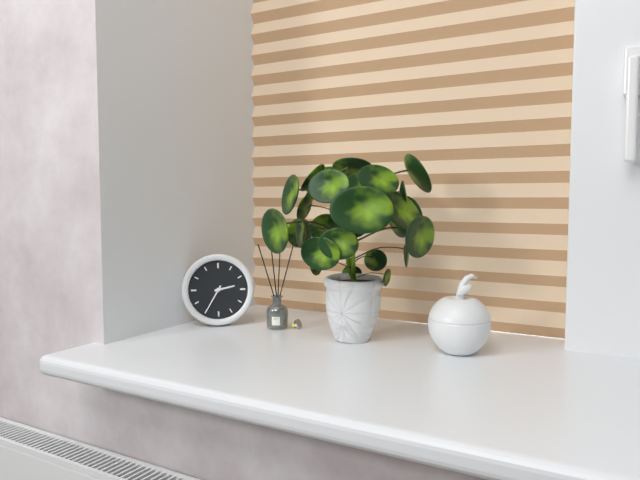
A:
2.35
